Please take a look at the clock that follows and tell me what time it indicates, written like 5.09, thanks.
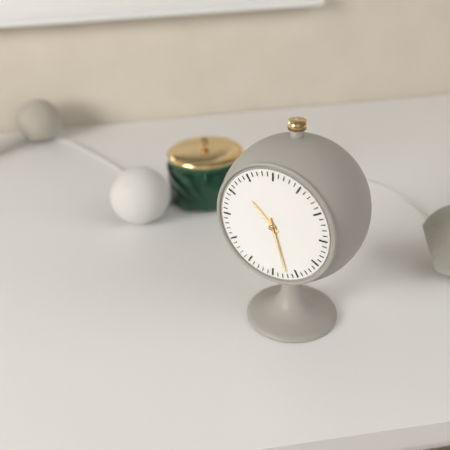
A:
10.27
